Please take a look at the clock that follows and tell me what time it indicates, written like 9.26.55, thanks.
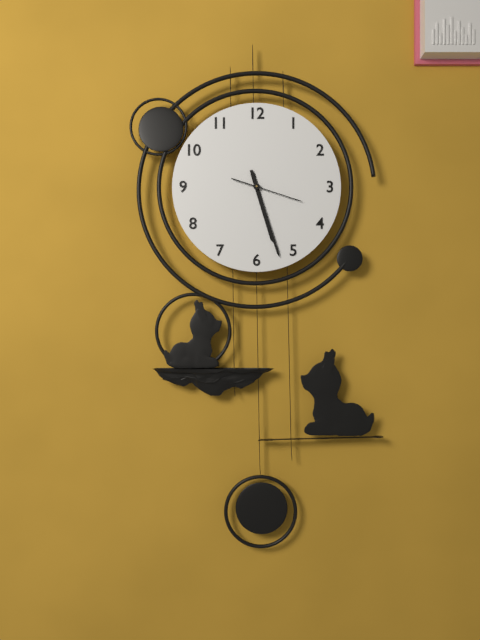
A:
5.27.18
